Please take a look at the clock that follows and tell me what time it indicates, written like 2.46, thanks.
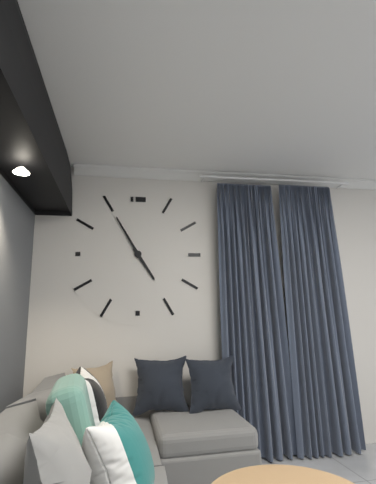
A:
4.55
